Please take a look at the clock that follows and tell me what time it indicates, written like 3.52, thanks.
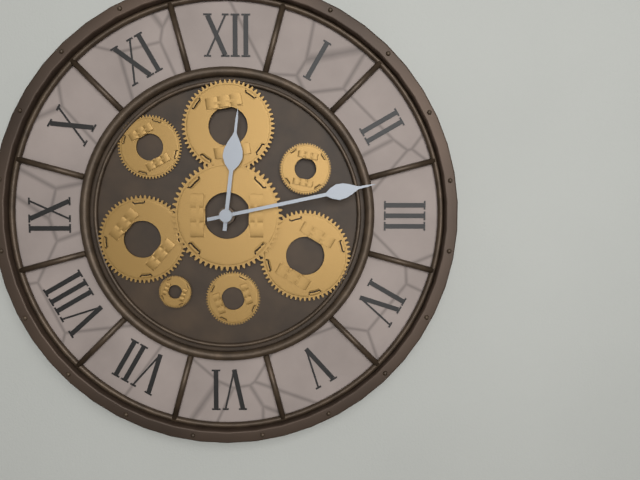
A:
12.13
